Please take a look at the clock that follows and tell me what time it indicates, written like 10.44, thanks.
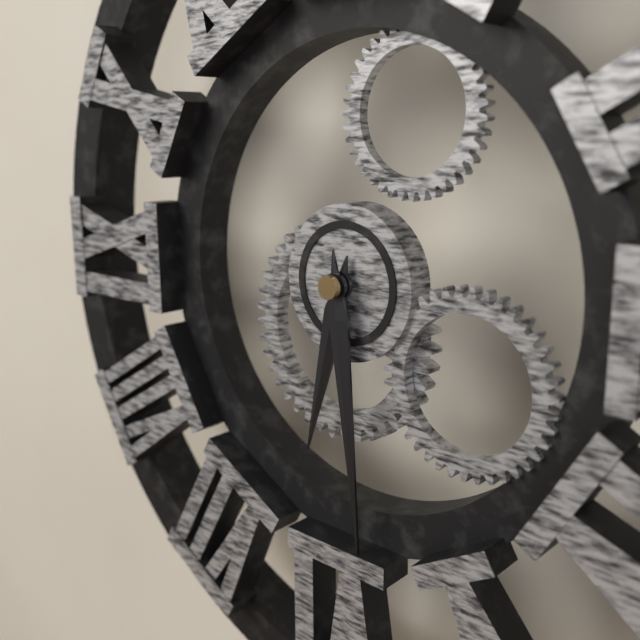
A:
6.29
